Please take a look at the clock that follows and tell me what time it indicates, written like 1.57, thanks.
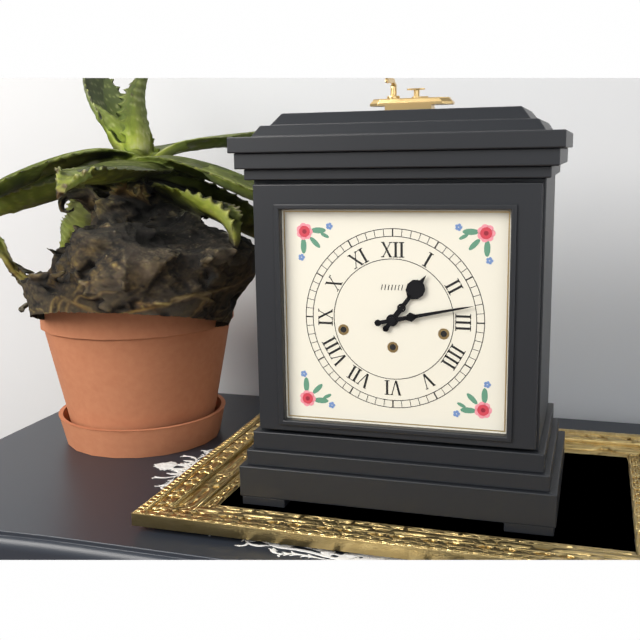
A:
1.13
